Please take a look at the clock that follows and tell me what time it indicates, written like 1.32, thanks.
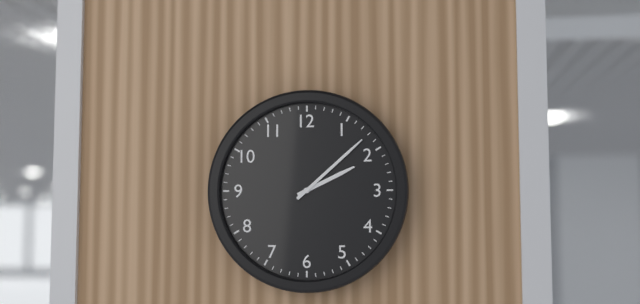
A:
2.08
